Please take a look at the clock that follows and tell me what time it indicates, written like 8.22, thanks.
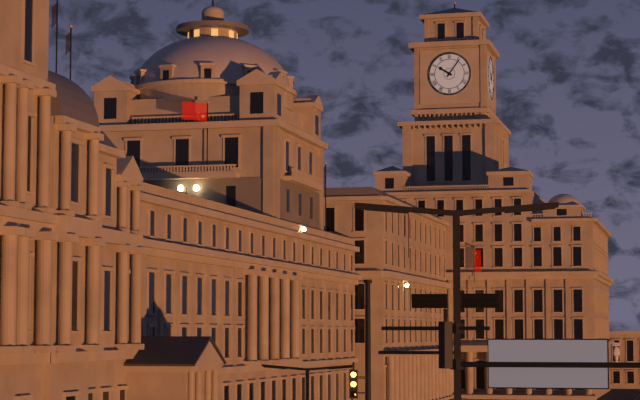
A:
10.06
